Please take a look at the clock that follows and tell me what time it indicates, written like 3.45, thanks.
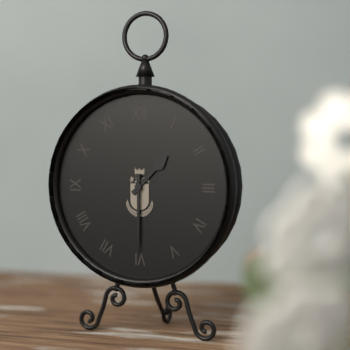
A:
1.30
